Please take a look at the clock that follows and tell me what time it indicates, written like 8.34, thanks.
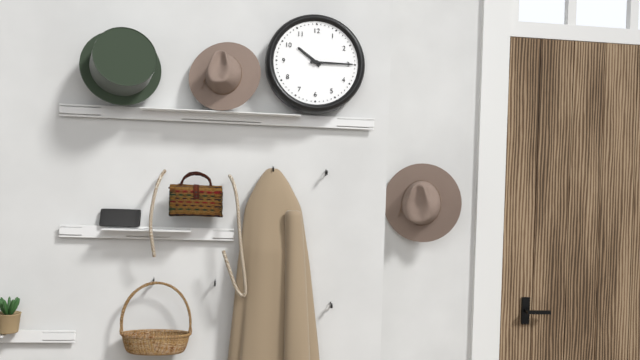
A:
10.15
